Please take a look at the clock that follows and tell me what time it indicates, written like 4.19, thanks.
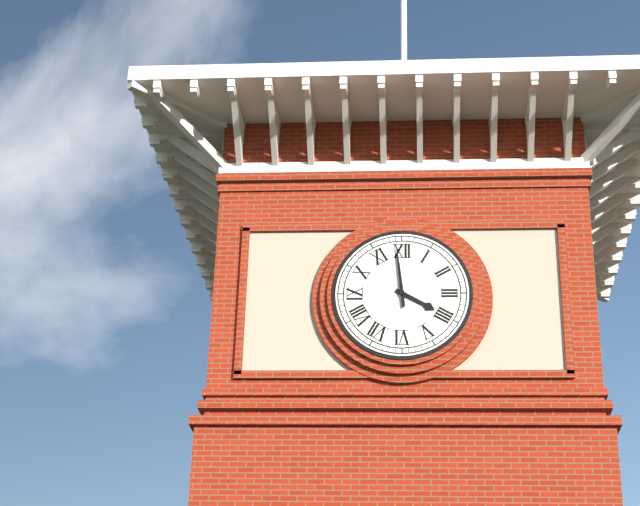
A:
3.59
